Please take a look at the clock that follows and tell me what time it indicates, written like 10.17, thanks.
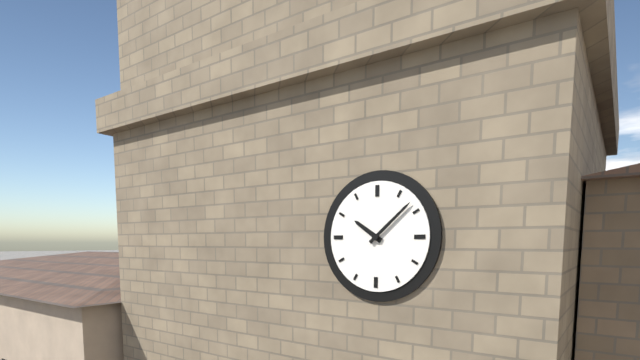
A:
10.08
